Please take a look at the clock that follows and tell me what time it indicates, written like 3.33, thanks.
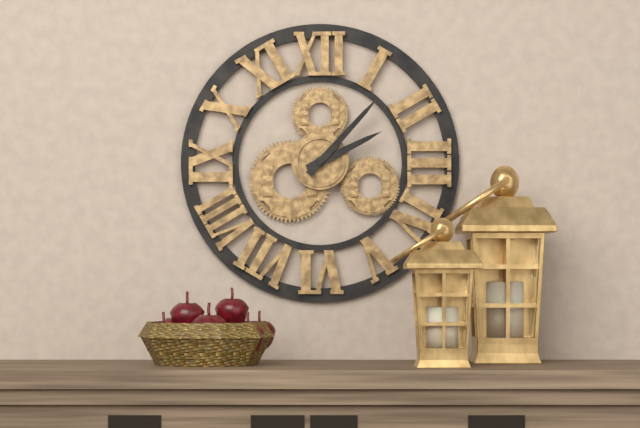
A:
2.07
